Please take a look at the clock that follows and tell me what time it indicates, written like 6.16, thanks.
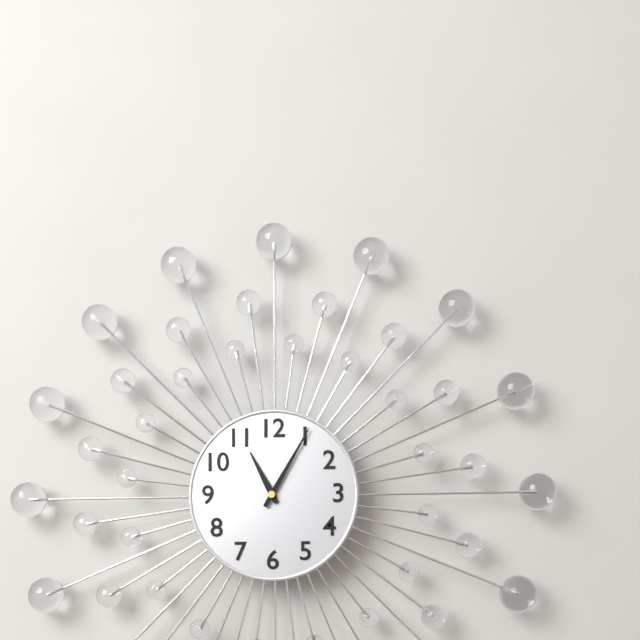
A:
11.05
